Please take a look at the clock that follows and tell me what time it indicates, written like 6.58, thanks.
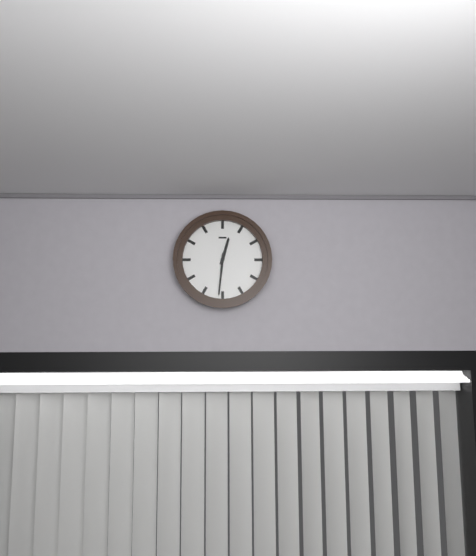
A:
12.31
